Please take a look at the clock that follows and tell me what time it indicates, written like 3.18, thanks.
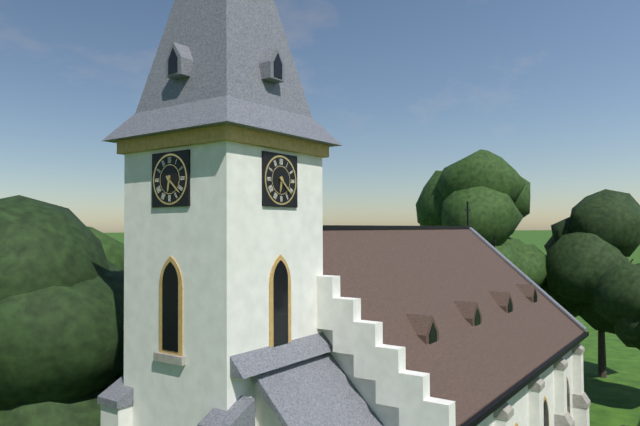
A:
6.22
